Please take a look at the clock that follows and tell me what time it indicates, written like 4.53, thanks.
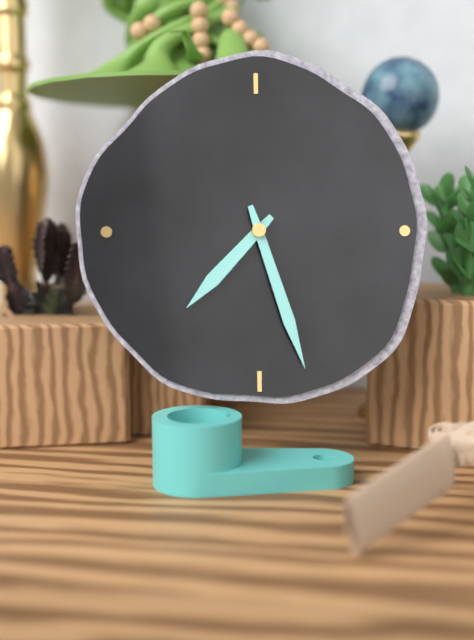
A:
7.27
